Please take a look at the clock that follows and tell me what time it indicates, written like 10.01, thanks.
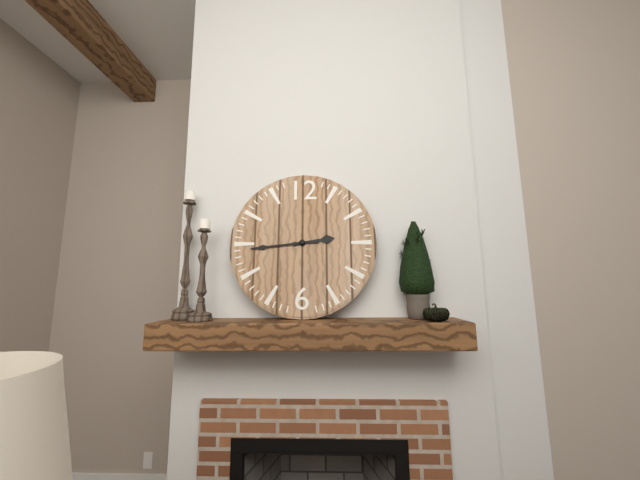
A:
2.44
